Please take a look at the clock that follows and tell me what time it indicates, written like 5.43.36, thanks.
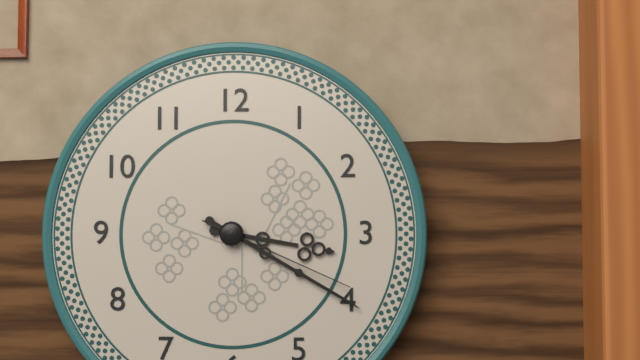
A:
3.20.19
